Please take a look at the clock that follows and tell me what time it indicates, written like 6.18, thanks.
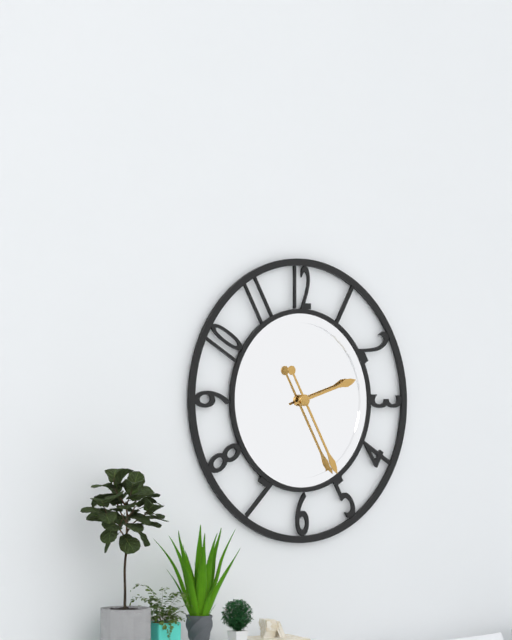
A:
2.25
